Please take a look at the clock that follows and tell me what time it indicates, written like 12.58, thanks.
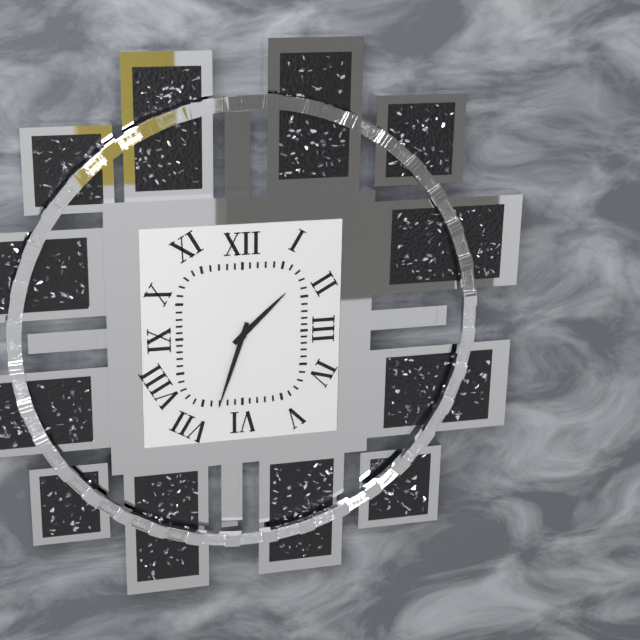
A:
1.33
